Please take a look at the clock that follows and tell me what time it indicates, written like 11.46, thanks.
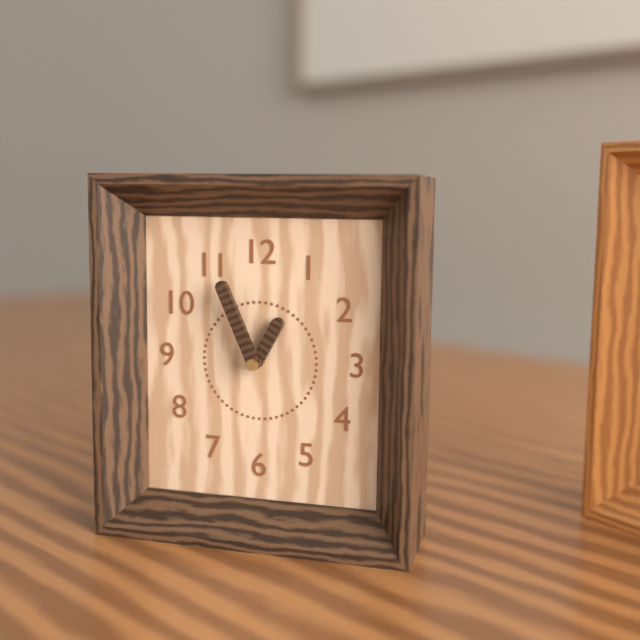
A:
12.56
